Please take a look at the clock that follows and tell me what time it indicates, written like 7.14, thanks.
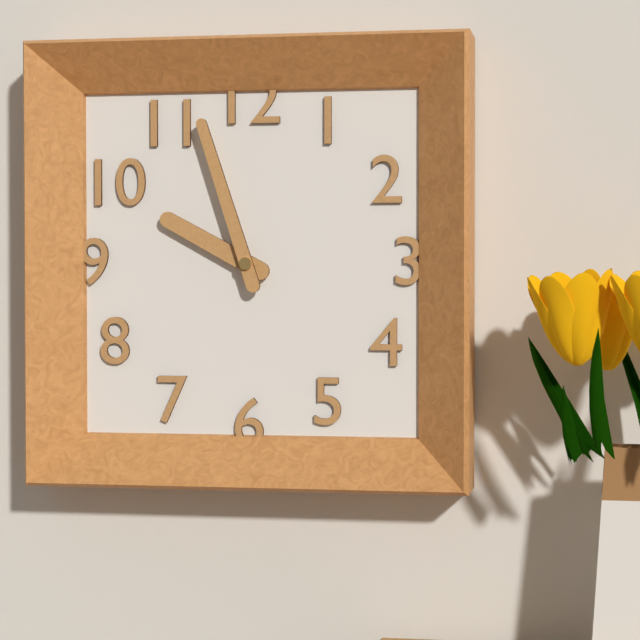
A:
9.57
